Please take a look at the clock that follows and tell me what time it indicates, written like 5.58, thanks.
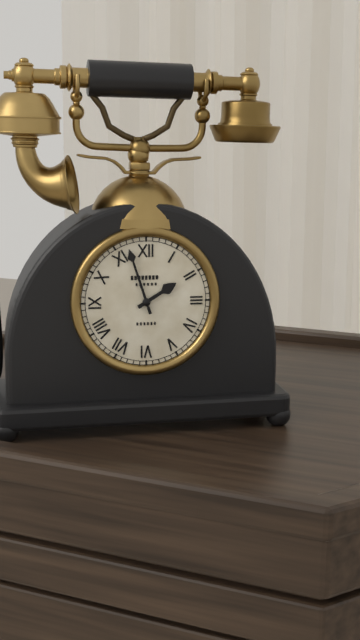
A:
1.57
